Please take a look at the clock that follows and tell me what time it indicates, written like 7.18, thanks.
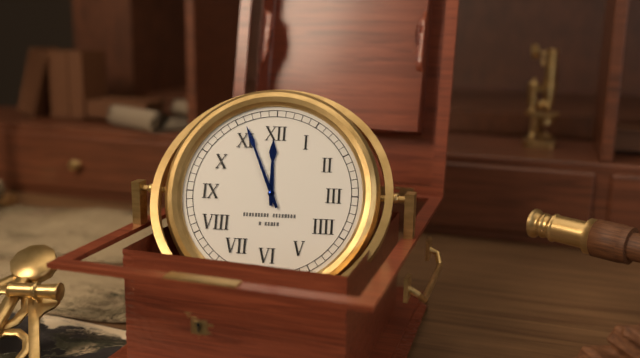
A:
11.56
